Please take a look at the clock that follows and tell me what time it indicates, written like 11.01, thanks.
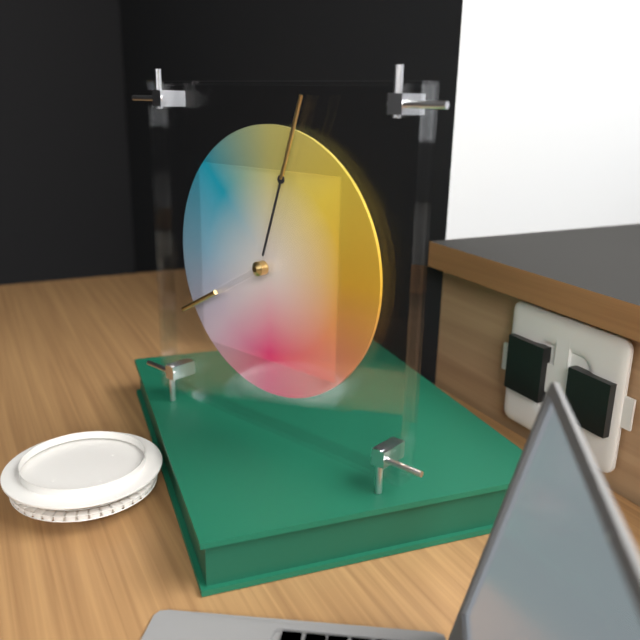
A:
8.03
